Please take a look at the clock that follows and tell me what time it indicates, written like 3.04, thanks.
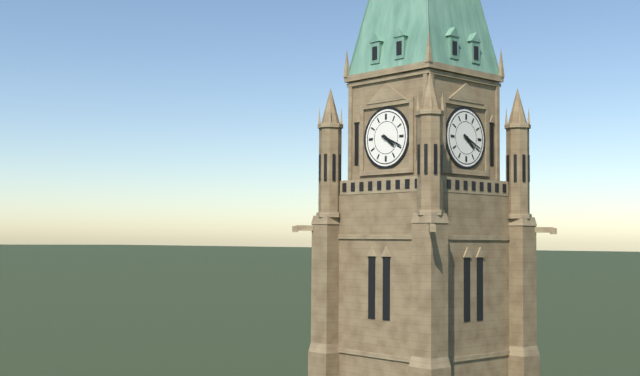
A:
4.19
